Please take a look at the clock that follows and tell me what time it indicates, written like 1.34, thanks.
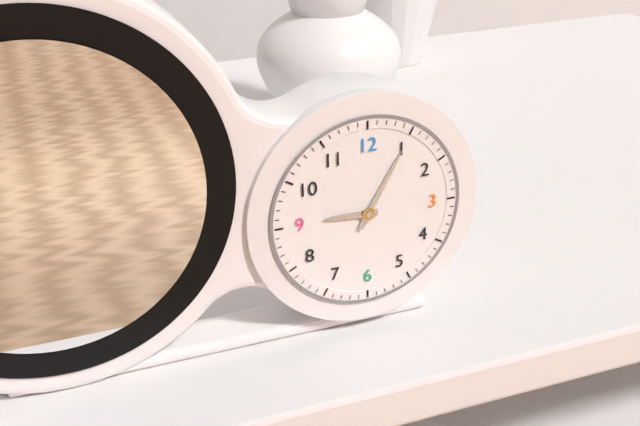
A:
9.05
